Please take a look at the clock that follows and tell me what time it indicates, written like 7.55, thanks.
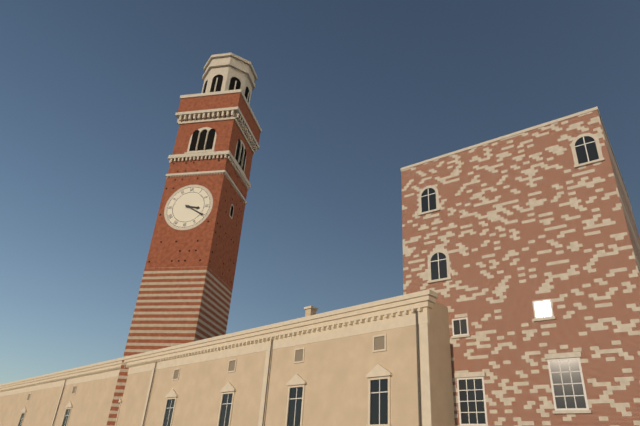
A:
3.20
